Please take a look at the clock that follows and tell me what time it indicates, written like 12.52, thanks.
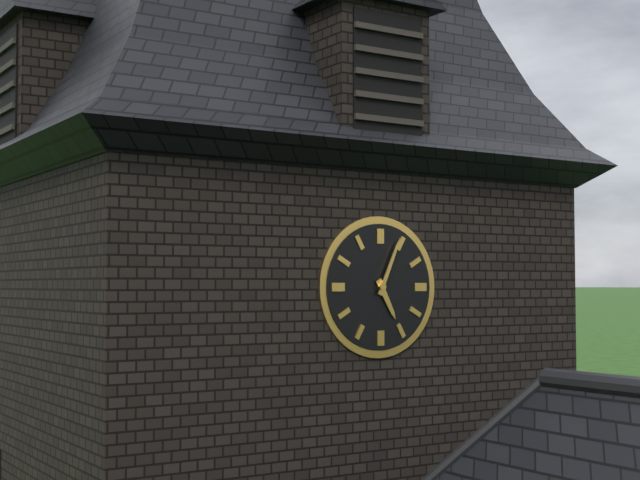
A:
5.04
